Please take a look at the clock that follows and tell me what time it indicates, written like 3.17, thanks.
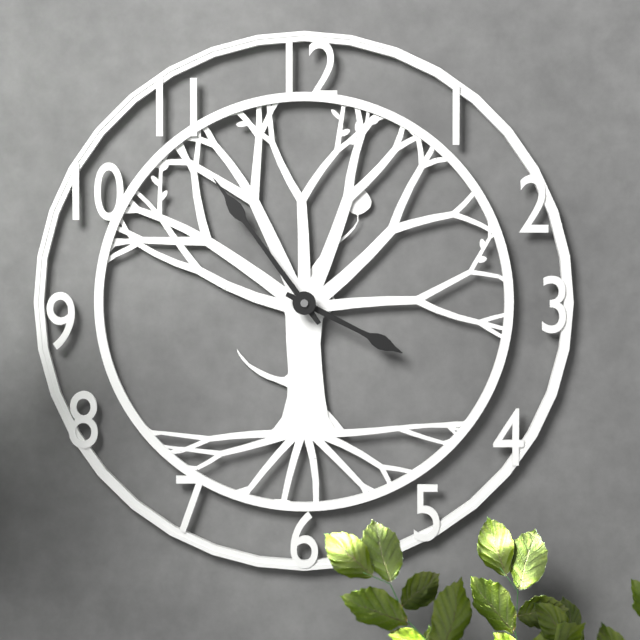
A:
3.54
